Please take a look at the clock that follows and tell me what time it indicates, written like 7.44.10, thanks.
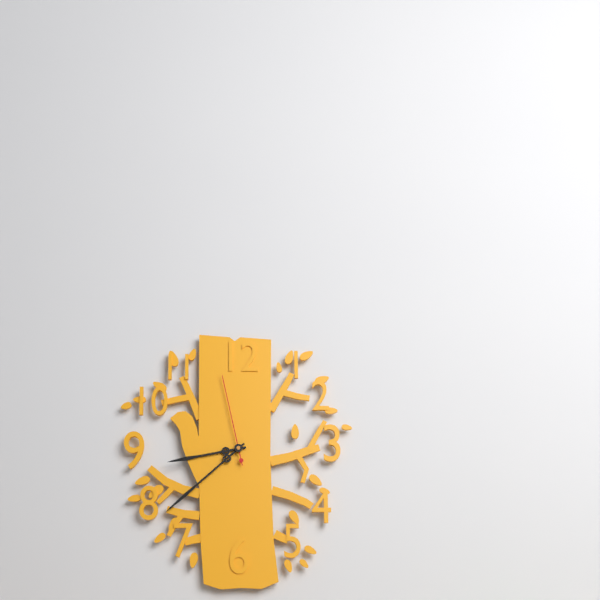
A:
8.38.58
